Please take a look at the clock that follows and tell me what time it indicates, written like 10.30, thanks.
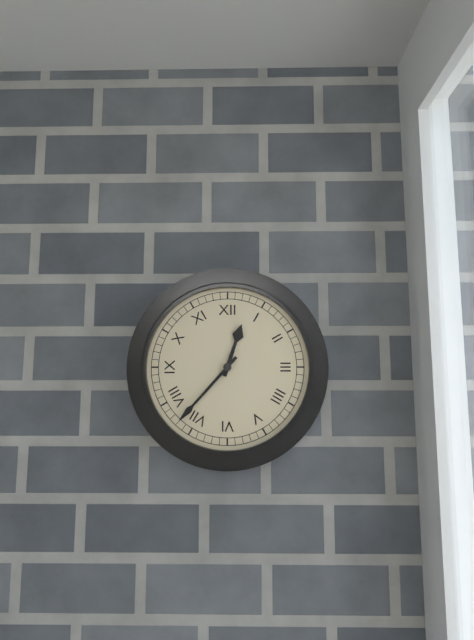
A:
12.37
